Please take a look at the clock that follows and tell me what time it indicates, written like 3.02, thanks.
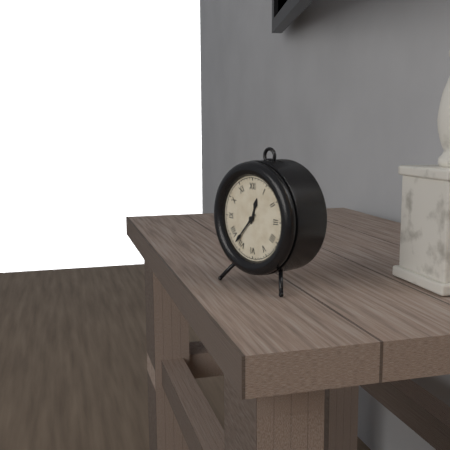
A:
12.37
